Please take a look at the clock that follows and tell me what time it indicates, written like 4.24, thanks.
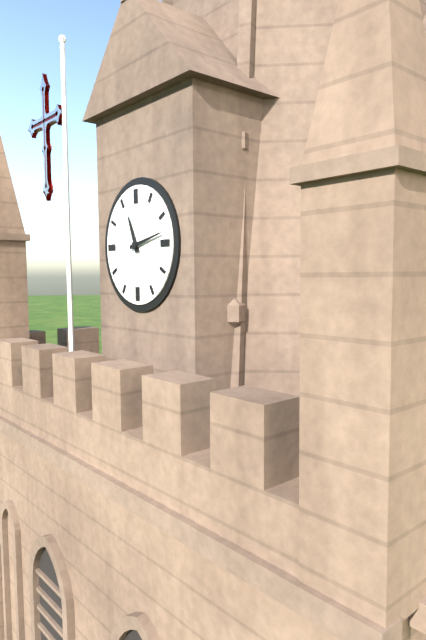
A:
11.13
